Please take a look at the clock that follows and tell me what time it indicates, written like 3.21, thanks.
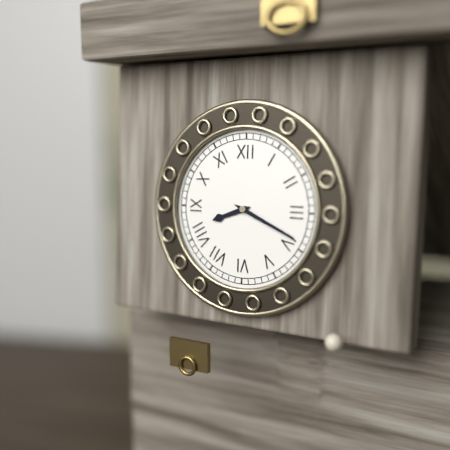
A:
8.19
